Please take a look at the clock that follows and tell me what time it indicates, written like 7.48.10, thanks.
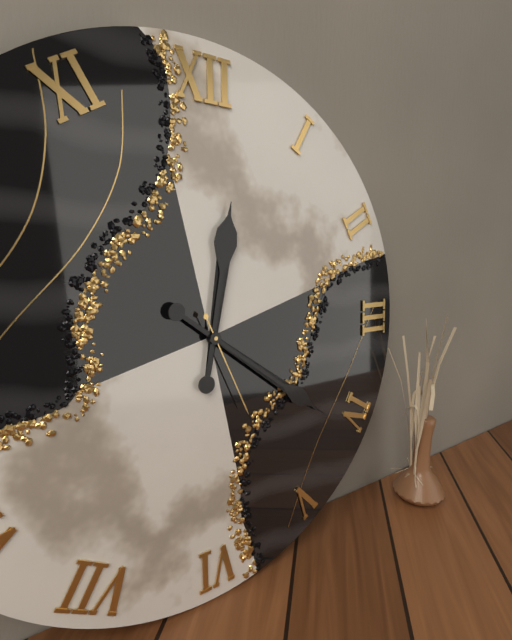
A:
12.21.26
